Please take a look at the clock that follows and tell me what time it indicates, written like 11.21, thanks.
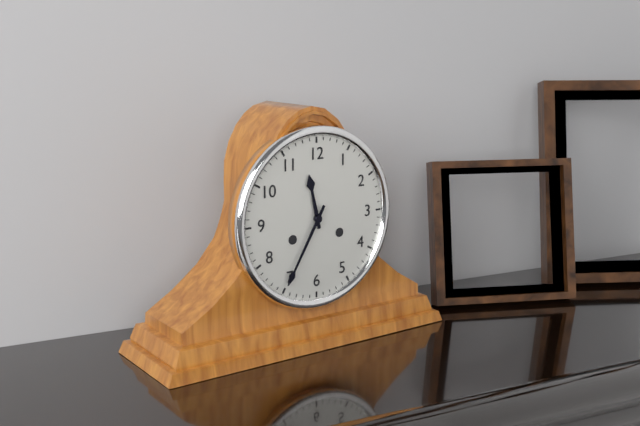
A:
11.35
